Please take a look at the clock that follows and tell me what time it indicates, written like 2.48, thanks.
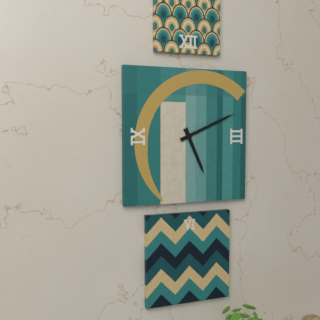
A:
5.11
